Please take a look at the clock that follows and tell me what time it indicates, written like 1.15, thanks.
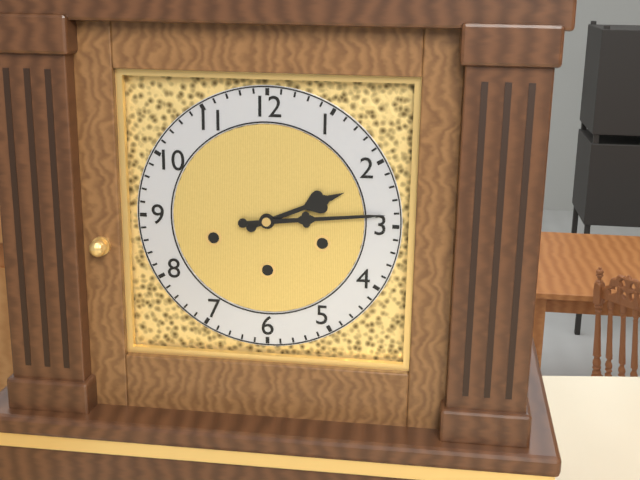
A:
2.14
